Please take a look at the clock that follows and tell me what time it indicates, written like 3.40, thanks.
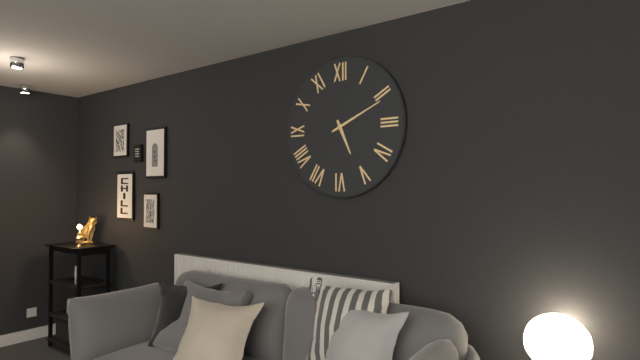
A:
5.11
